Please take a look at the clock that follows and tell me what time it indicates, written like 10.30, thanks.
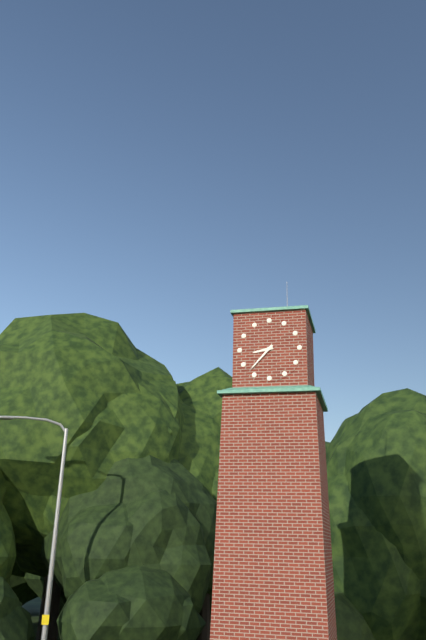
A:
8.37
